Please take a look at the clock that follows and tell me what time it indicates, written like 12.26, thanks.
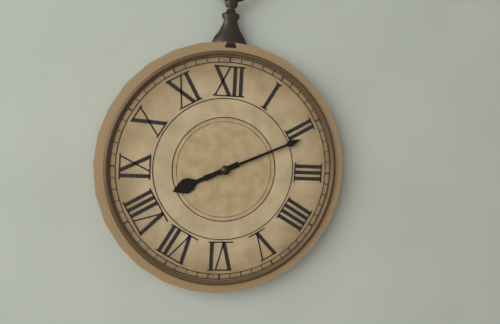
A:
8.11
